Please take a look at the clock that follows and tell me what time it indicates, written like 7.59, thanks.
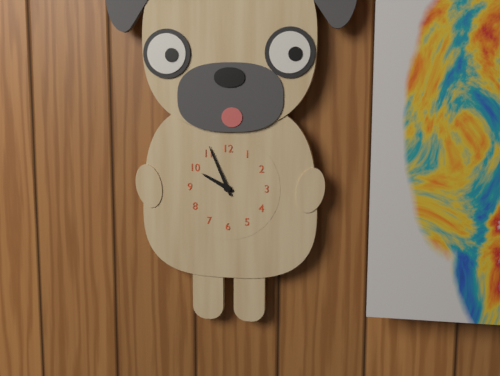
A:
9.56
